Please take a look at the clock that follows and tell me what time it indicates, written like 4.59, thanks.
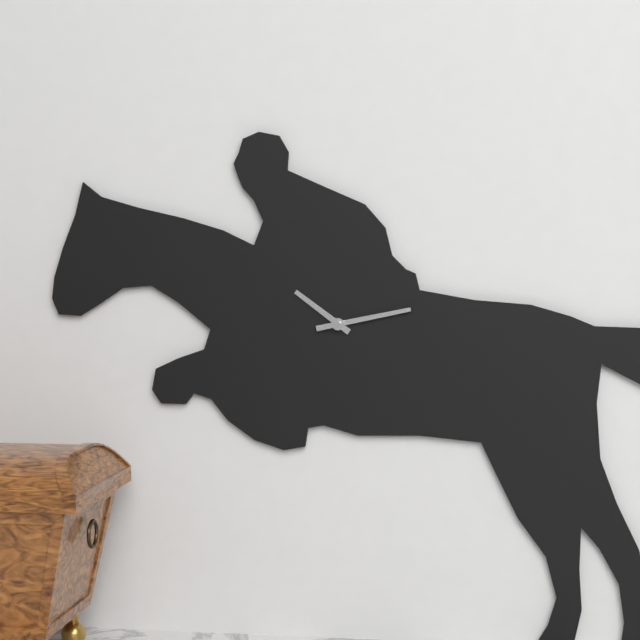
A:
10.13
